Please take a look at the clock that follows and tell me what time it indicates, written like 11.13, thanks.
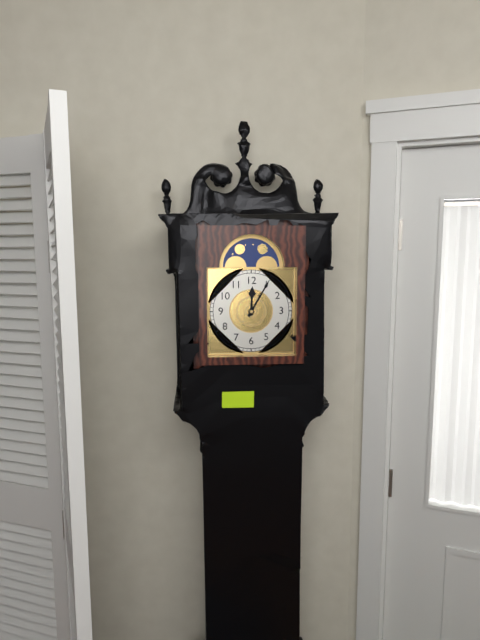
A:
12.05
